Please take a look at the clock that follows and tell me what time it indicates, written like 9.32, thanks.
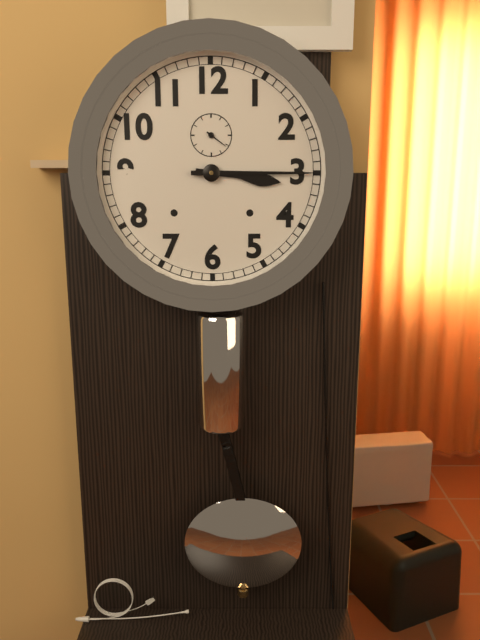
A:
3.15
